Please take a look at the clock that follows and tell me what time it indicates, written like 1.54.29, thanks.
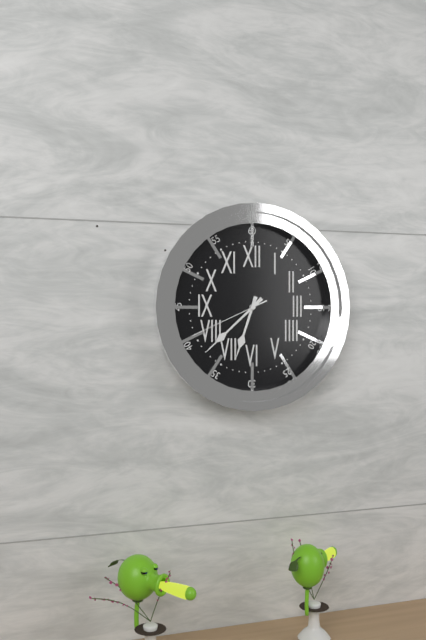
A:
6.38.41
